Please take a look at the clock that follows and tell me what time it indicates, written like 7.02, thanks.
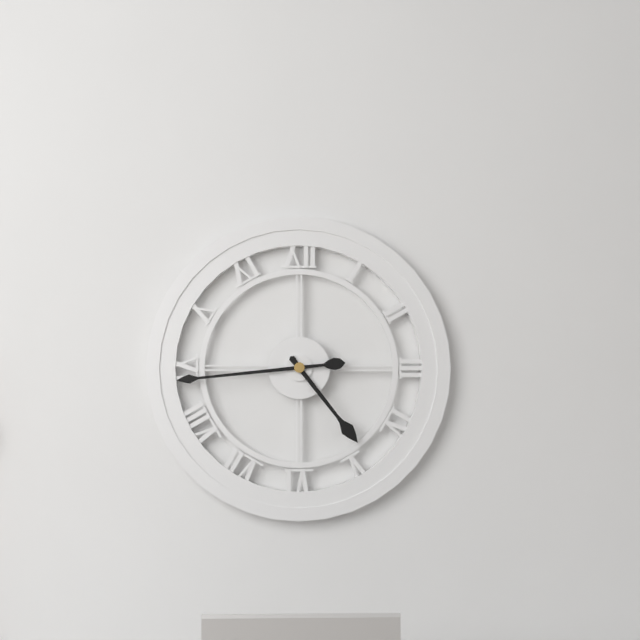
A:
4.44
